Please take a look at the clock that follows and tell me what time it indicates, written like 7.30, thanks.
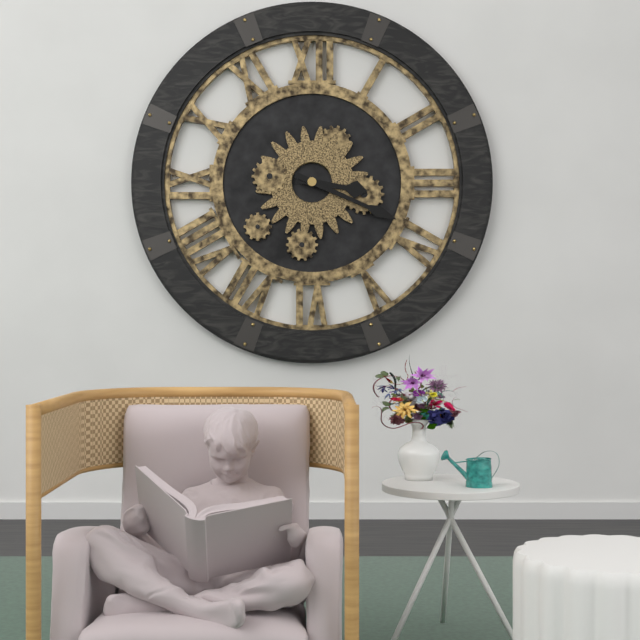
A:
3.19
